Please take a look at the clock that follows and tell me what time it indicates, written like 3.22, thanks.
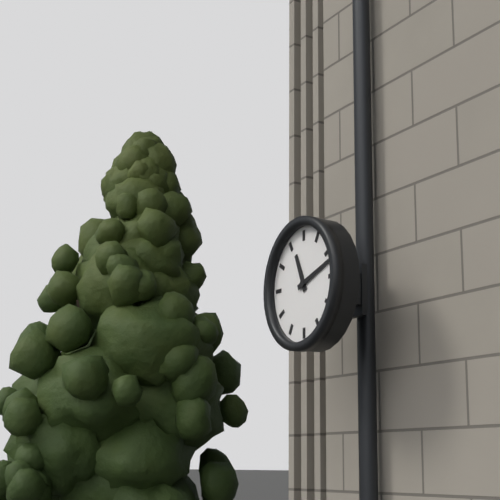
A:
11.12
